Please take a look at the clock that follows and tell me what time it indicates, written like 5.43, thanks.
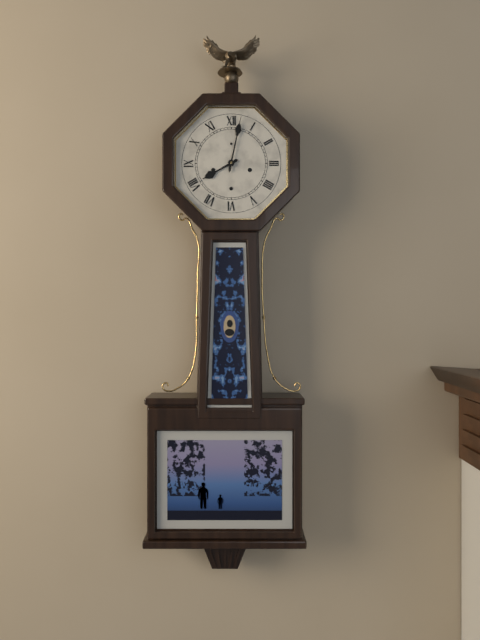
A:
8.02
